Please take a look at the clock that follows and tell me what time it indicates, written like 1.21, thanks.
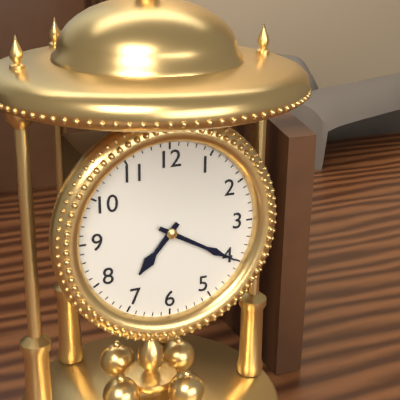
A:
7.20
